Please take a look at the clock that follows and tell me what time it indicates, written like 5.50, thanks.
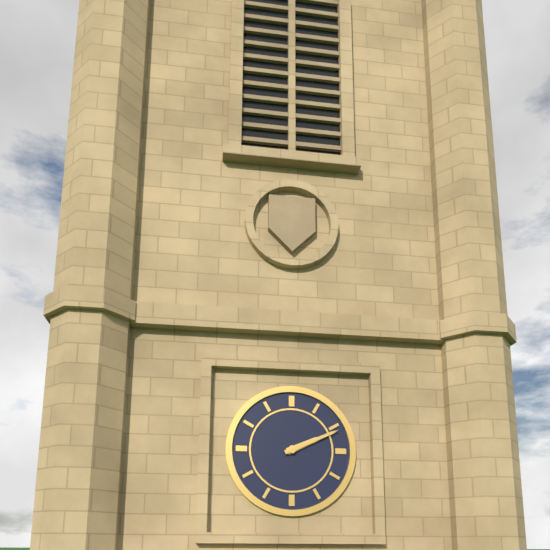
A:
2.11
